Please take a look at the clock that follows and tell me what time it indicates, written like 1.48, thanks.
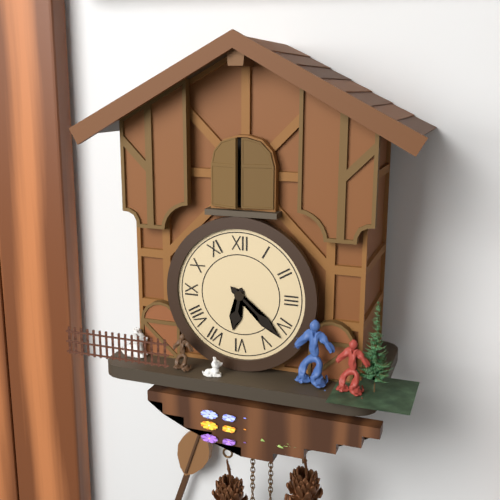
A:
6.22
